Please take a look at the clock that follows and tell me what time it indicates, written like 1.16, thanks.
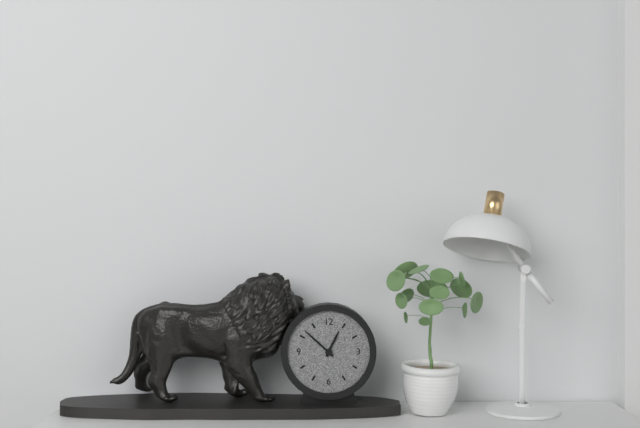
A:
12.52
